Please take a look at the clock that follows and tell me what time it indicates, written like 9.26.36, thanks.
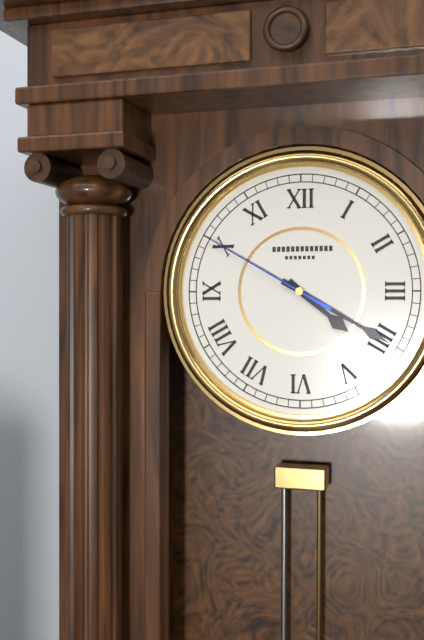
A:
4.20.50
